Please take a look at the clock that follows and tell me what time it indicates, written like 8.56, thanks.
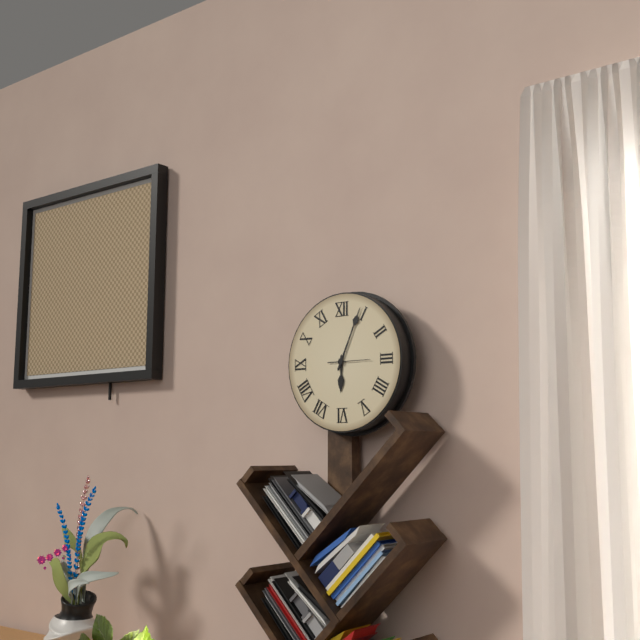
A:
6.04
